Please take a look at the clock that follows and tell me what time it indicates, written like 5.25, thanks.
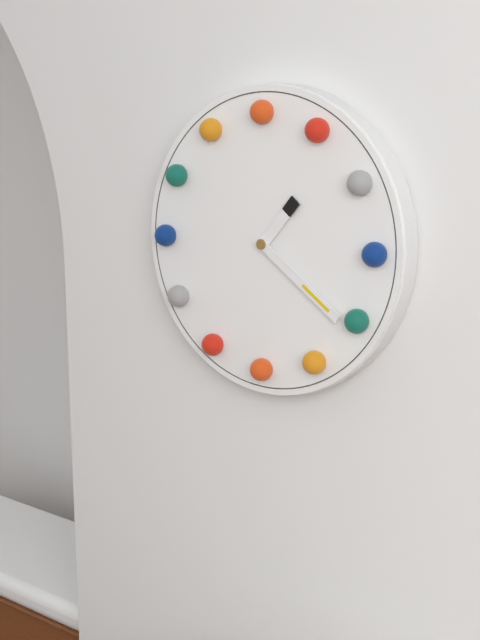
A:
1.21
